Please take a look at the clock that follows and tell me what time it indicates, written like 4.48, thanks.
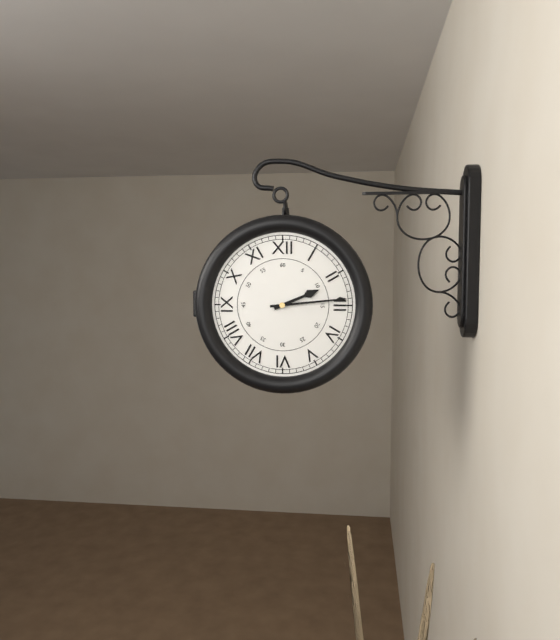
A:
2.14
